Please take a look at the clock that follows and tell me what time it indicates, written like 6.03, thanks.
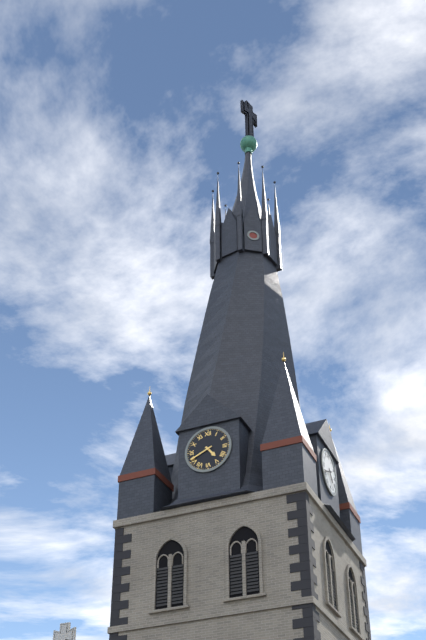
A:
4.41
